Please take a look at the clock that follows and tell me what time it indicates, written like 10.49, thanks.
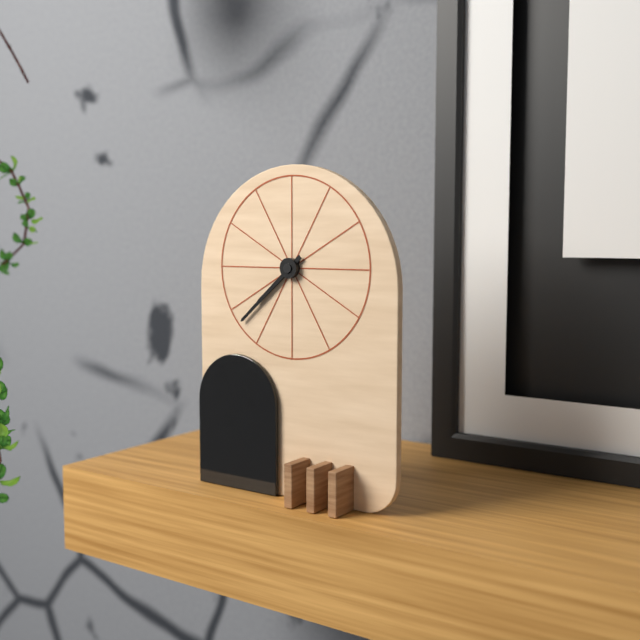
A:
7.38
